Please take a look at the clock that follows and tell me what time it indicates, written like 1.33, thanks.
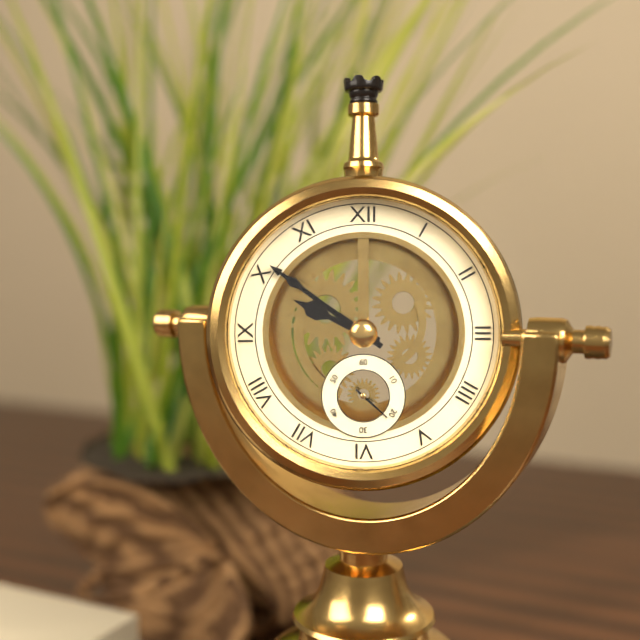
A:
9.51
